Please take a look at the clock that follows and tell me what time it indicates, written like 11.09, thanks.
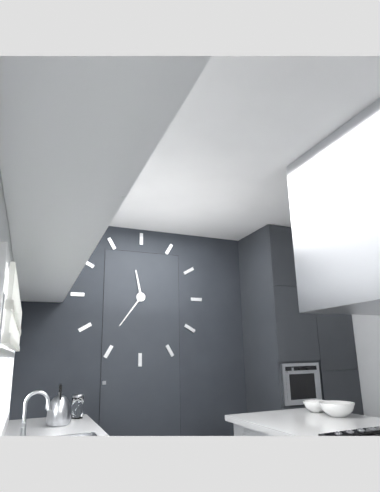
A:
11.36
